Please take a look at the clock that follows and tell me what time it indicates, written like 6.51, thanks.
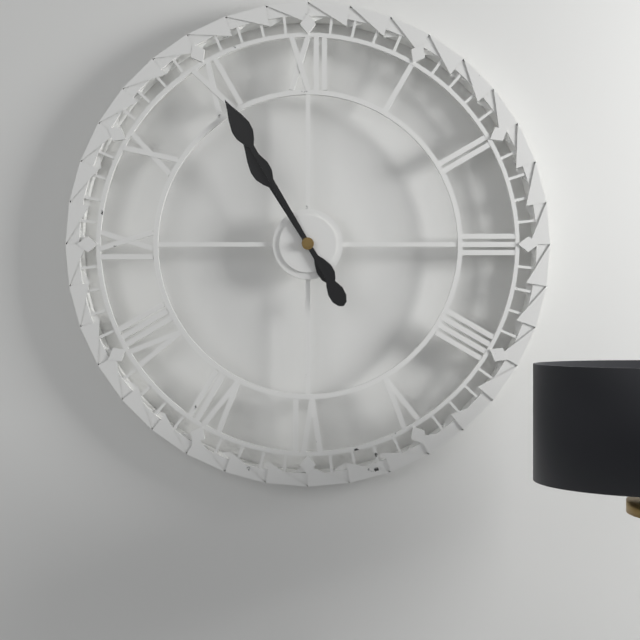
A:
10.55
